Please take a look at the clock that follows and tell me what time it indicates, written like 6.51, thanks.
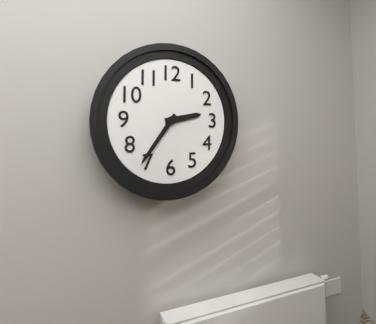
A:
2.36
